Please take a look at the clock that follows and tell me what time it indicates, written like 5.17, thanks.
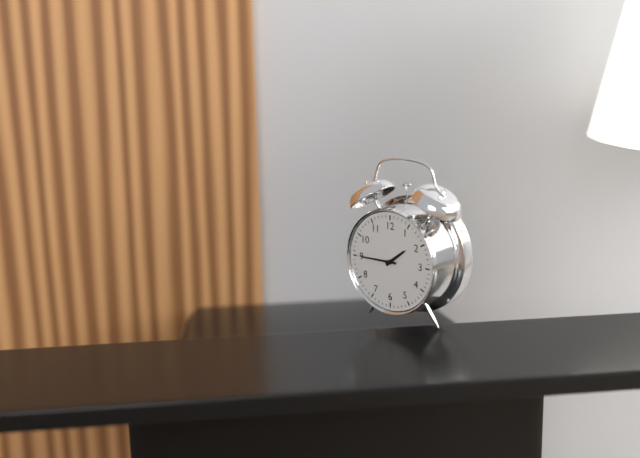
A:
1.45
